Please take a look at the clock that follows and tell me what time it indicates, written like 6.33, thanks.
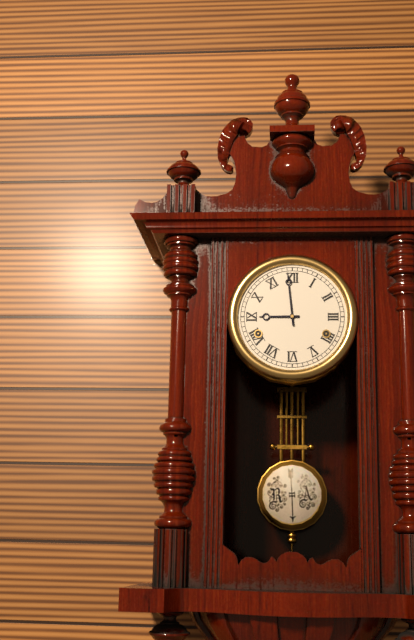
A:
8.59
